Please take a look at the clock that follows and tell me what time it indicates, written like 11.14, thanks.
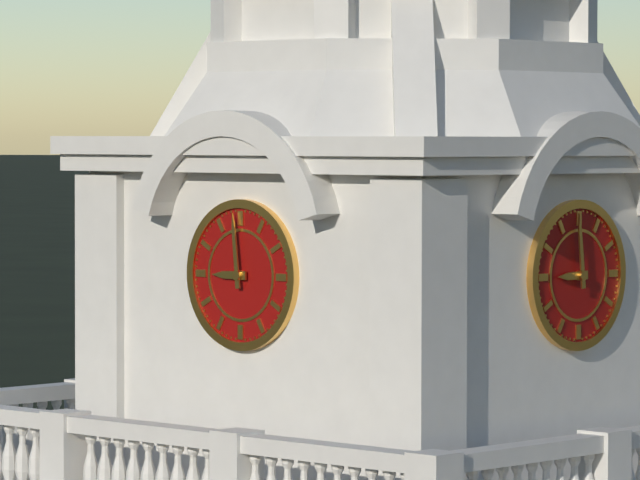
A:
8.59
